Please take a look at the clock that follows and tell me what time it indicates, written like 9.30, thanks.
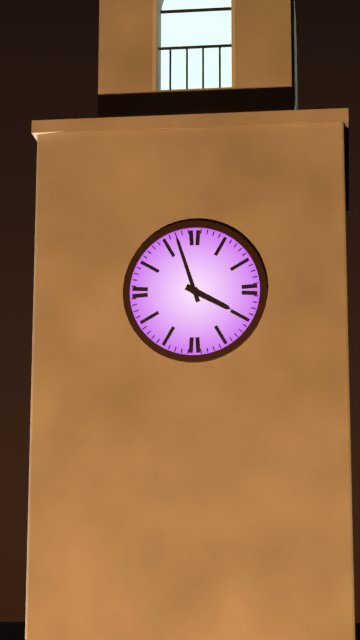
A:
3.57
